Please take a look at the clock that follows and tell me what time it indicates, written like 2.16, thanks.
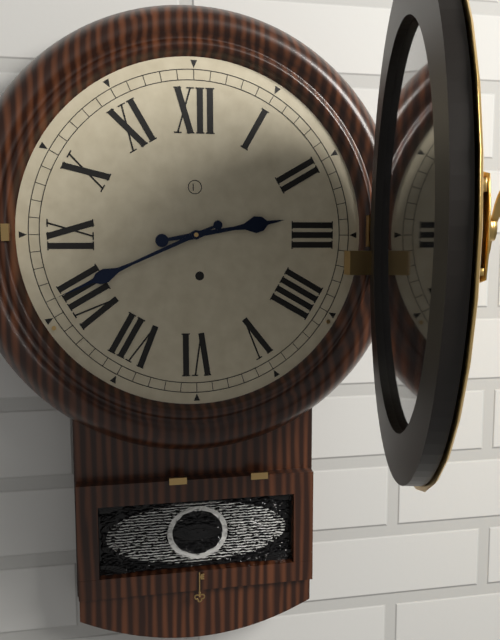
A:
2.41
